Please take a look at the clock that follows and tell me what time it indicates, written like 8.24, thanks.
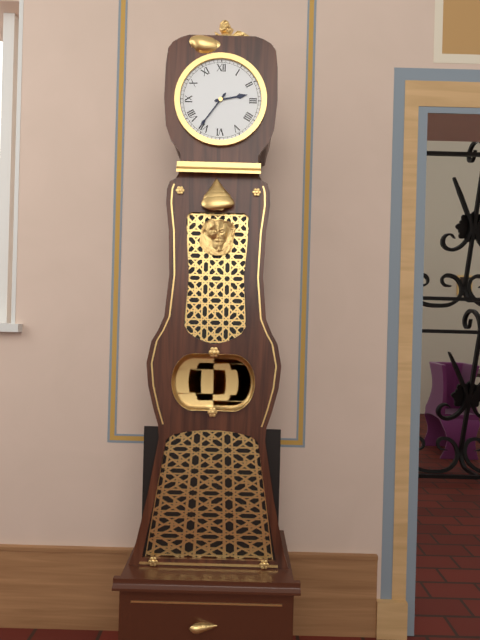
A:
2.36
